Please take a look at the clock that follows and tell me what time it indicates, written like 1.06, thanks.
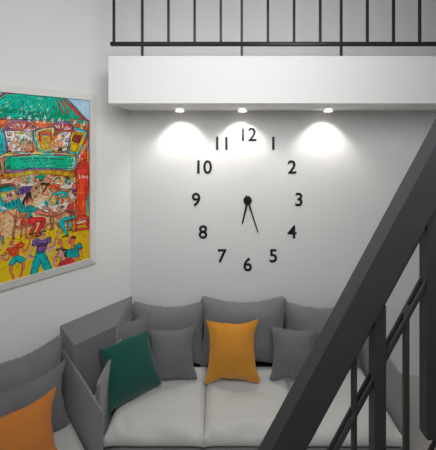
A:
6.27
